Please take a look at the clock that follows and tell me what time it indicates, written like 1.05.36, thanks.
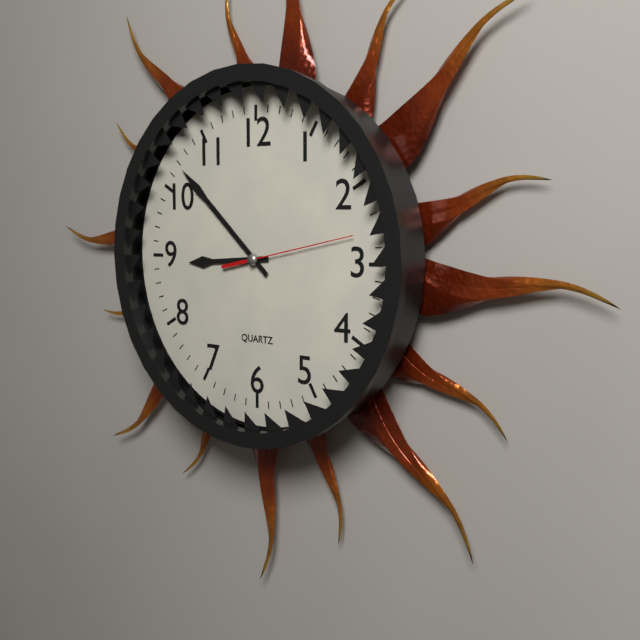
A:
8.52.13
